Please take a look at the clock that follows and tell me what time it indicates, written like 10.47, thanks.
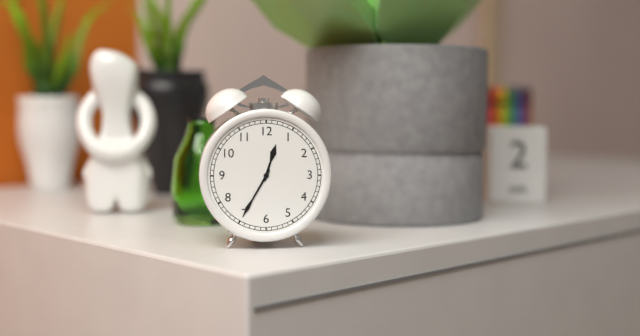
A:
12.35
